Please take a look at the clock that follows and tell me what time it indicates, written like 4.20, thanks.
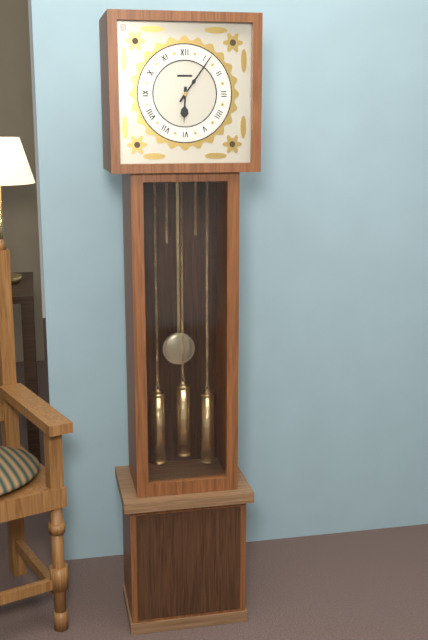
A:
6.06
